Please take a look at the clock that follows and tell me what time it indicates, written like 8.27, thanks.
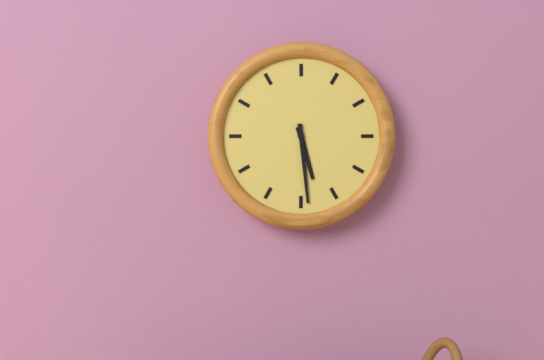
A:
5.29
